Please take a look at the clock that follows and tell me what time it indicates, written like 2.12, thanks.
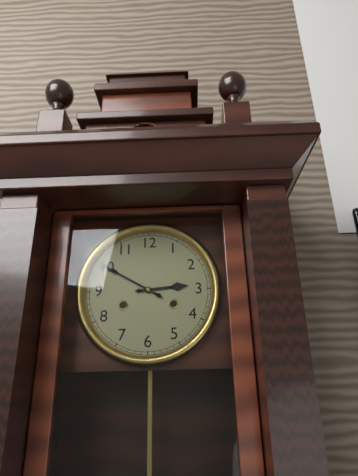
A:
2.50
